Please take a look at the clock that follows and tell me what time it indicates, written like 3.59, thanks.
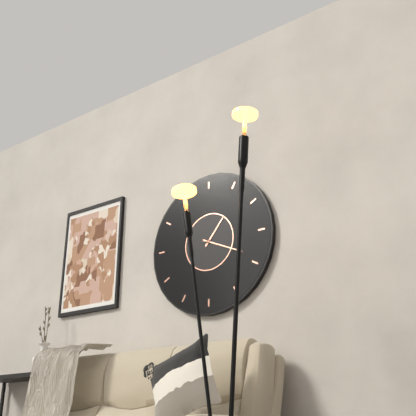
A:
1.19
